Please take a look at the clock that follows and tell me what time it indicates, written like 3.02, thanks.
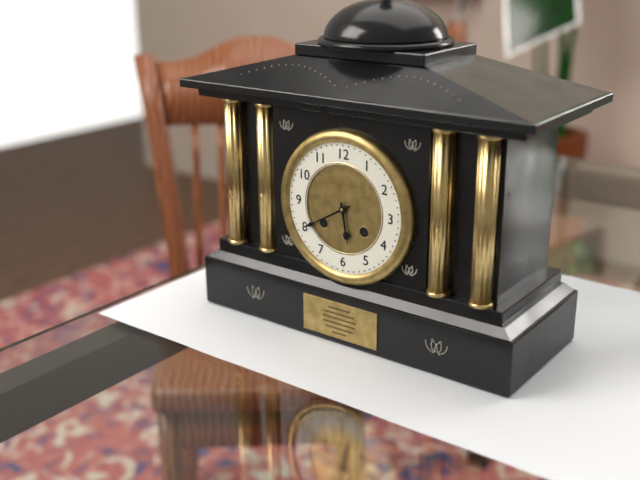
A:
5.40
